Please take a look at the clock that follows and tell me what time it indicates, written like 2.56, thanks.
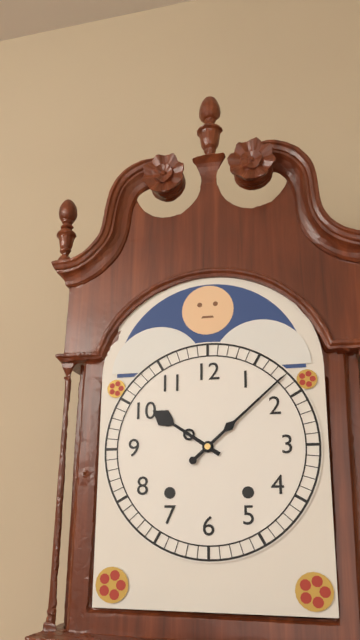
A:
10.08
